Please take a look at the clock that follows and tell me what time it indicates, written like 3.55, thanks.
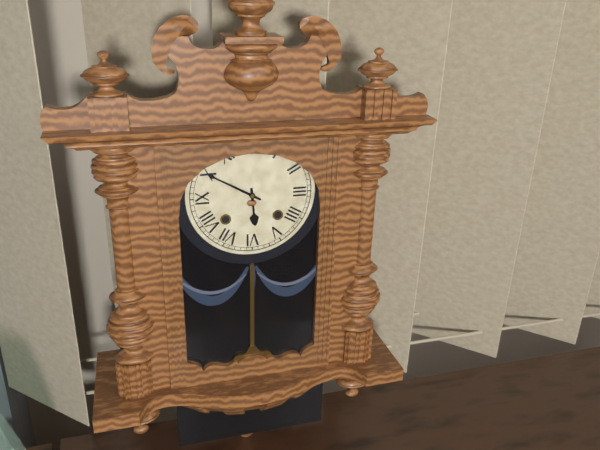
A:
5.50
